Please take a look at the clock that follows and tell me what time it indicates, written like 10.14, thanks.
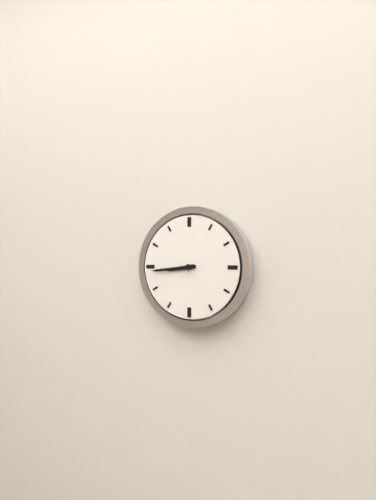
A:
8.44
